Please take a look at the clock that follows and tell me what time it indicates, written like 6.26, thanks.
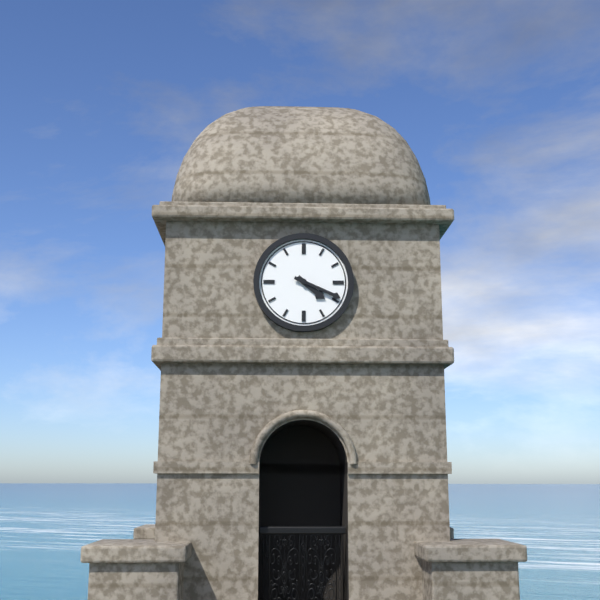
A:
4.19
